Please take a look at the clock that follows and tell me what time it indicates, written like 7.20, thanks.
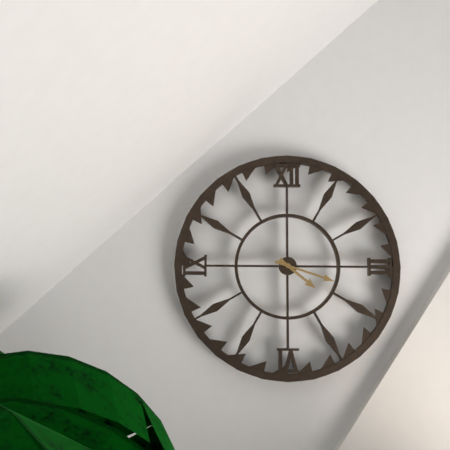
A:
4.18
